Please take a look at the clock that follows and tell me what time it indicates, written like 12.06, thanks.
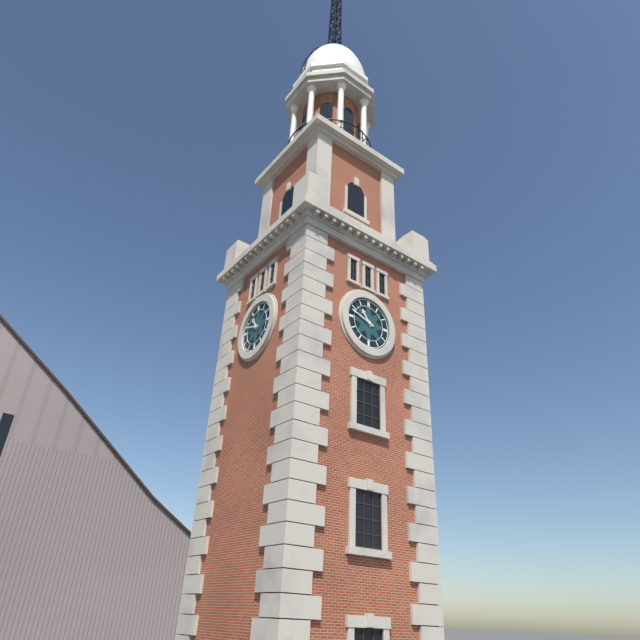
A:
10.48
